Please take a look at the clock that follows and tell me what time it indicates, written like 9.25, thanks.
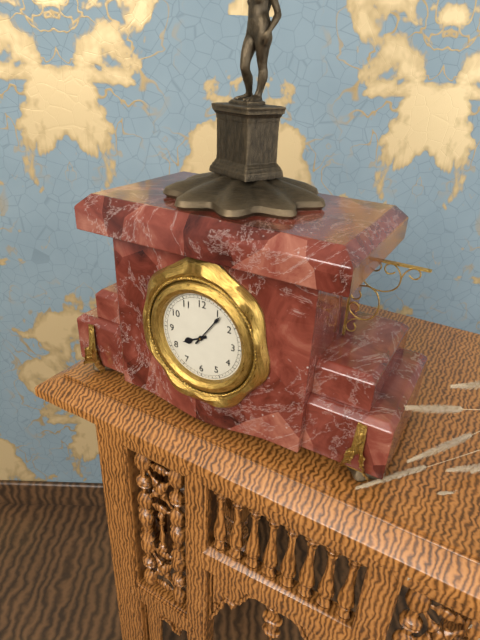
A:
8.06
